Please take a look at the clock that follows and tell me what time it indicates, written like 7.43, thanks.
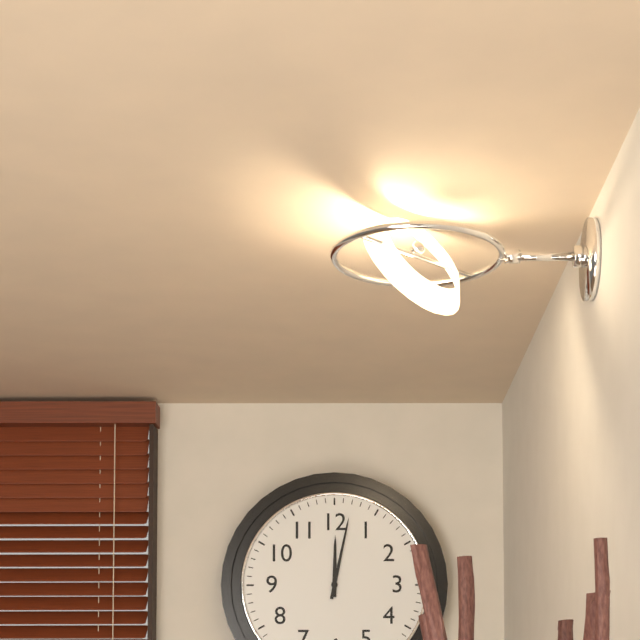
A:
12.02
